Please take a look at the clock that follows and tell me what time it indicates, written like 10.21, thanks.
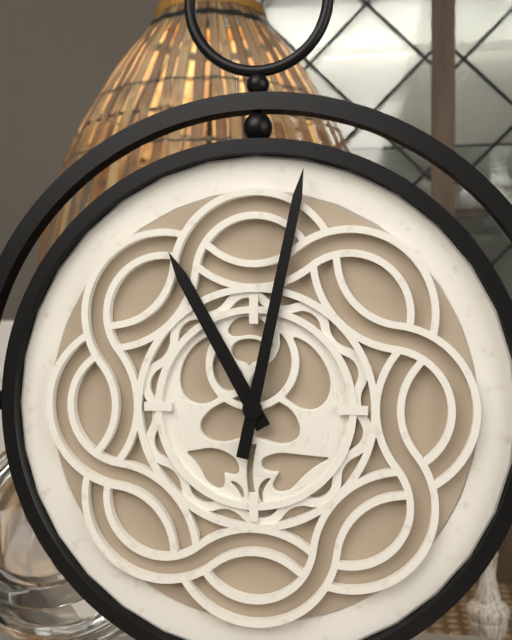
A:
11.02
